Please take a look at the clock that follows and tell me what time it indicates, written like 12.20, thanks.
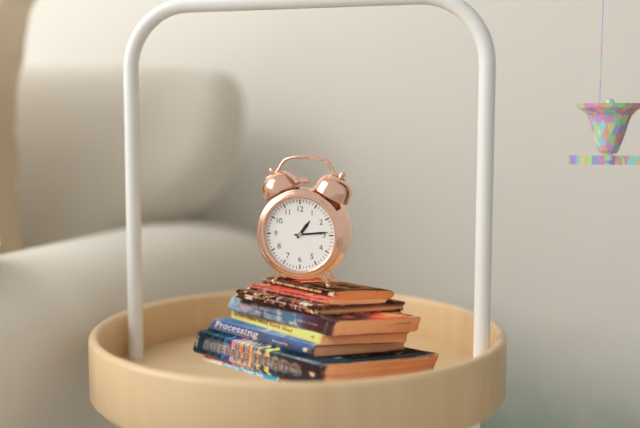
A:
1.14
